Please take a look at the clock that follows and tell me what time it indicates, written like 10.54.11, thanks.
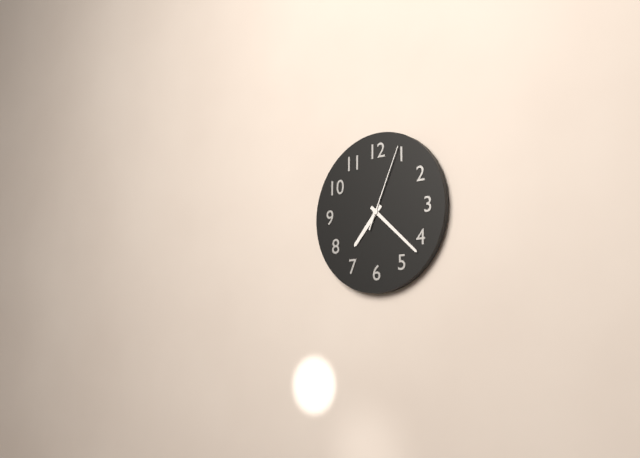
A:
7.22.04
